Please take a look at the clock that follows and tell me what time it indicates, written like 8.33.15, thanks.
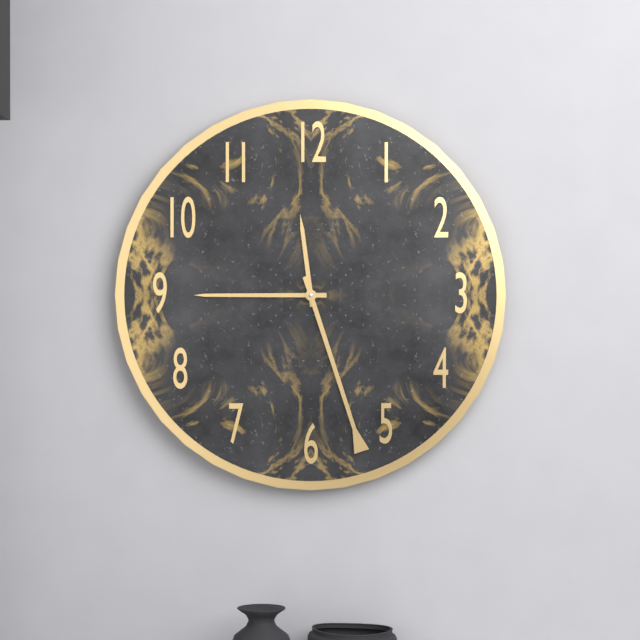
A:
11.45.27
